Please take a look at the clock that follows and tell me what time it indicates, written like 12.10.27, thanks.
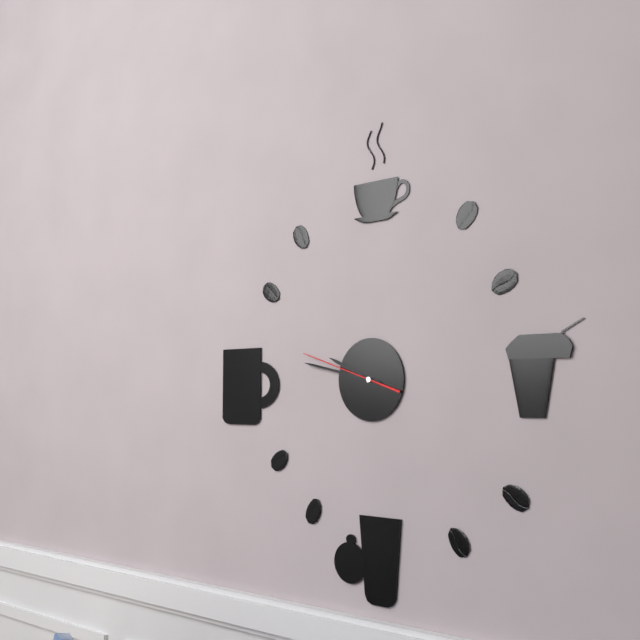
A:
9.47.48
